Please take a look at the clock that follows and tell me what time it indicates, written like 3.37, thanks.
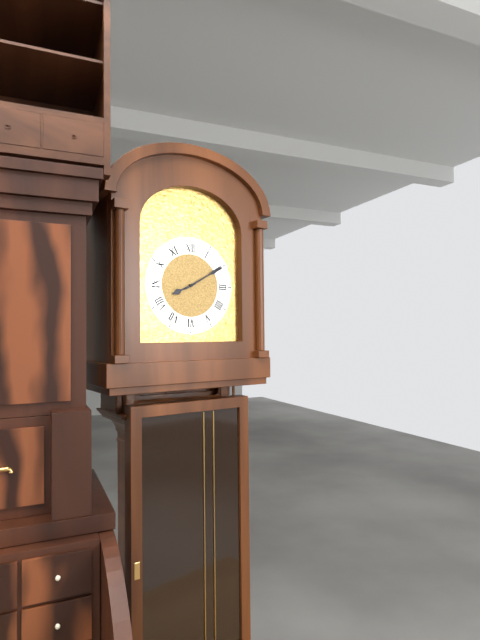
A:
8.10
